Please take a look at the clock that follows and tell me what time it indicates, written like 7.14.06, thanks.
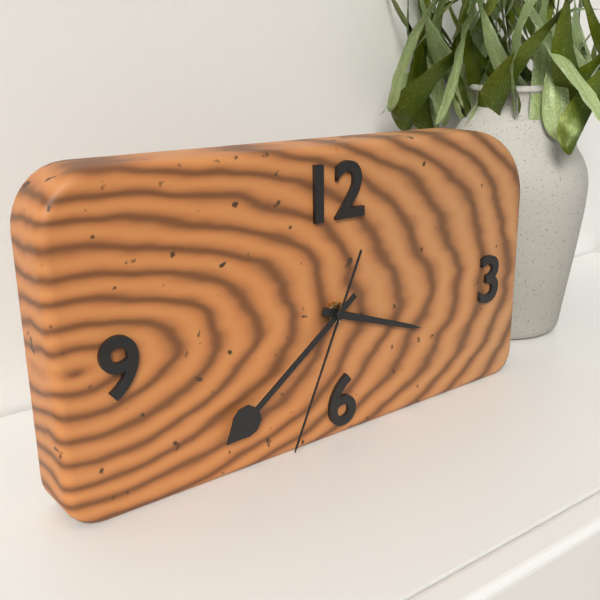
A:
3.39.34
